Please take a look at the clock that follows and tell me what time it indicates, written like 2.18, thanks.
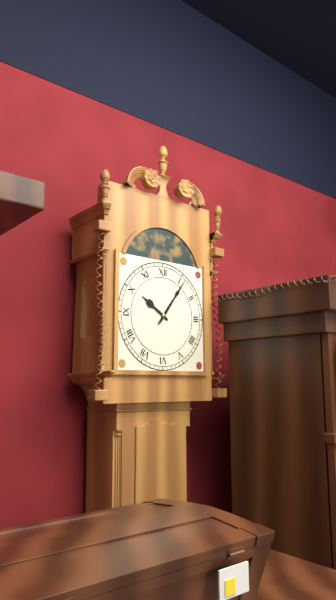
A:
10.06
